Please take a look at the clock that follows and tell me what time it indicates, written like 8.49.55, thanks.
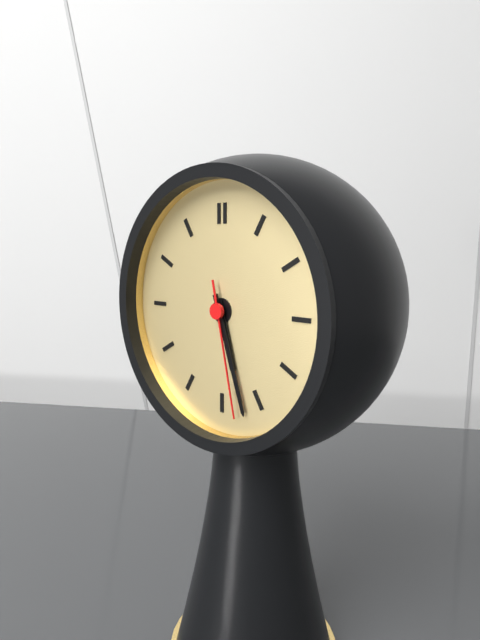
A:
5.27.28
